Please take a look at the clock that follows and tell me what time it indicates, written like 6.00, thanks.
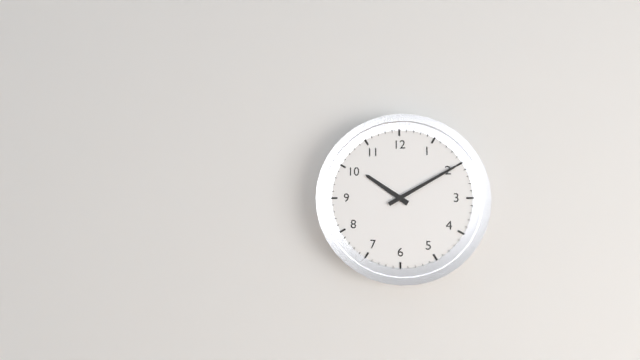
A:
10.10
